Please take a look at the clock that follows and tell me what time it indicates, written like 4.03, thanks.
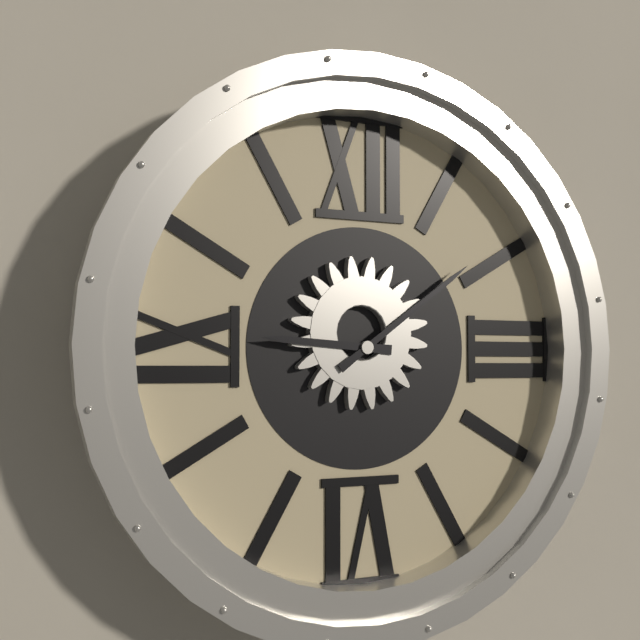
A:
9.09
